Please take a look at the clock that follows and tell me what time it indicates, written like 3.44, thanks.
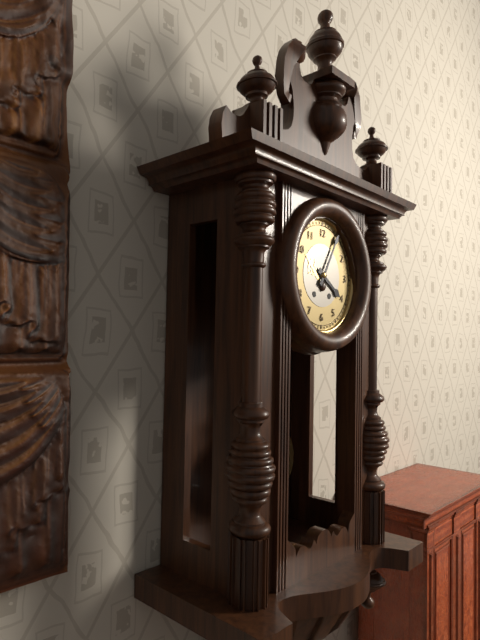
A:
4.05
